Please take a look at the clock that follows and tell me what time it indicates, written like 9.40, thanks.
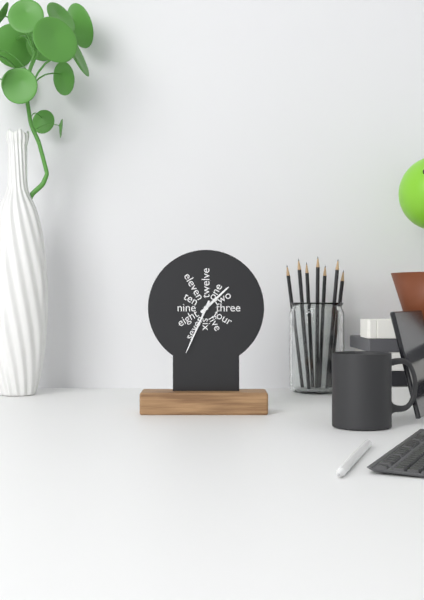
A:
1.34
